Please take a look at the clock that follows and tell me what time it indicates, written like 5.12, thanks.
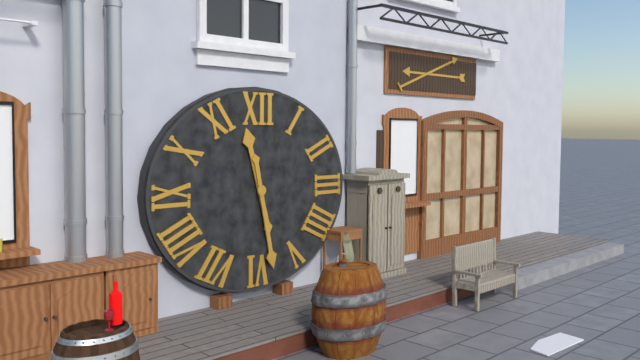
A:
11.28
